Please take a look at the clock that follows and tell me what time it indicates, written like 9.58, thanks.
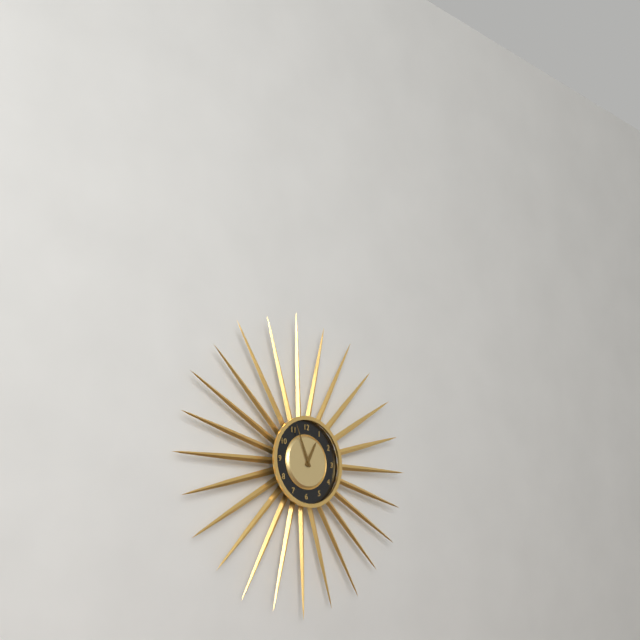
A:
12.56
